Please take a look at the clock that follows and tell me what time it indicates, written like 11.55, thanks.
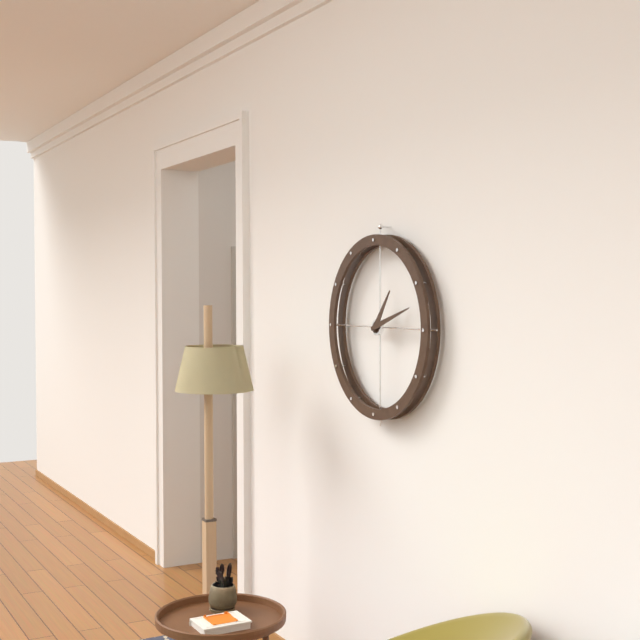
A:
1.12
